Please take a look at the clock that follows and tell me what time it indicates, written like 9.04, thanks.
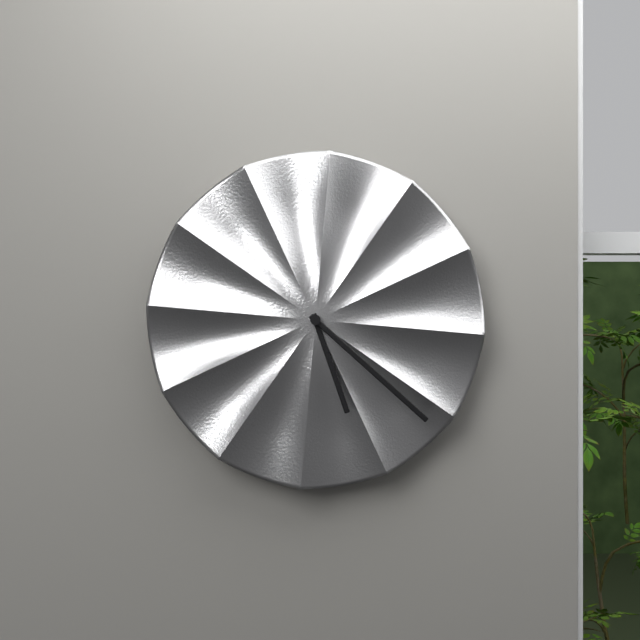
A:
5.22
